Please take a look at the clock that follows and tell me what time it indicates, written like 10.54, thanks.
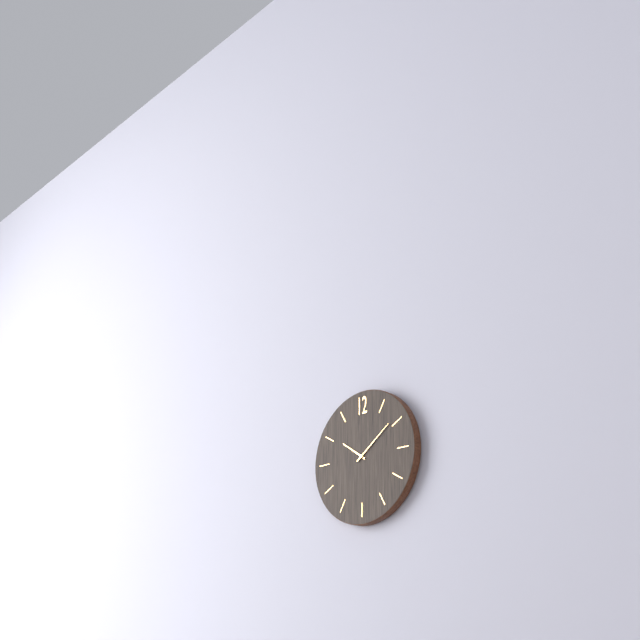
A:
10.09
